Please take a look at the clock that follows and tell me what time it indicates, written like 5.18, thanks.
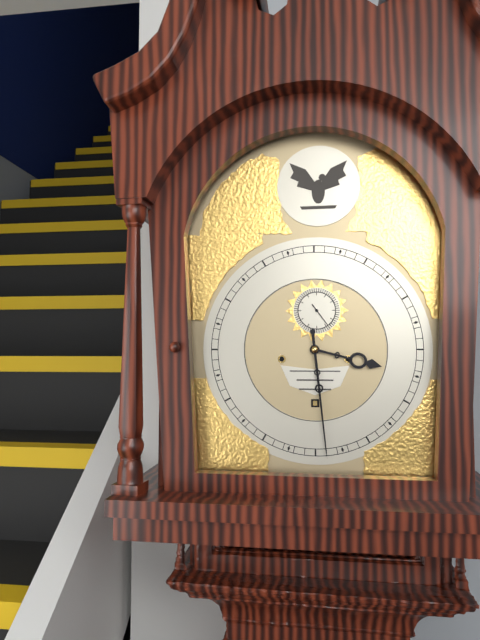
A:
3.29
